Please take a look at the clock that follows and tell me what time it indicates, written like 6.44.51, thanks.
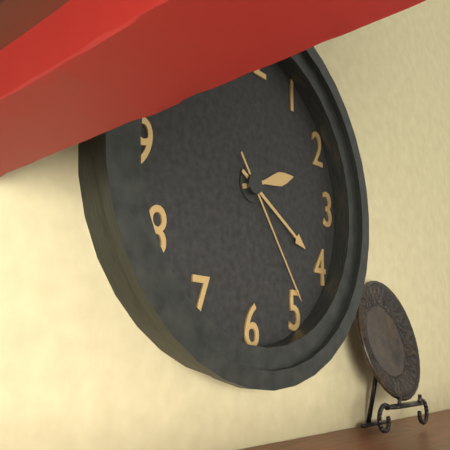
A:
2.20.24
